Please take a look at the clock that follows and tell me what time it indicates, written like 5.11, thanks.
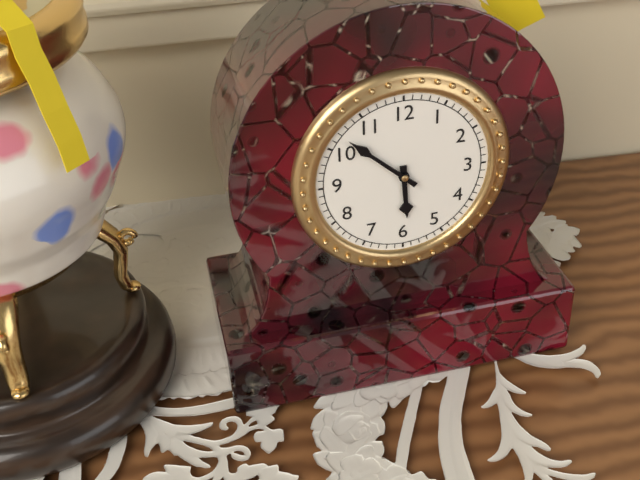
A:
5.52
